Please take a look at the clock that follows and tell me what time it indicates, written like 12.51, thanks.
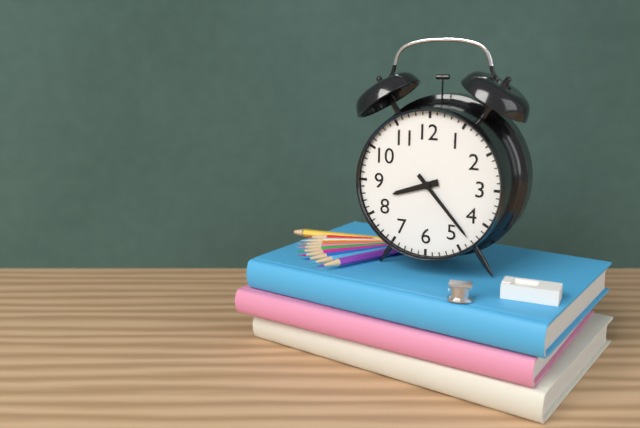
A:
8.23
